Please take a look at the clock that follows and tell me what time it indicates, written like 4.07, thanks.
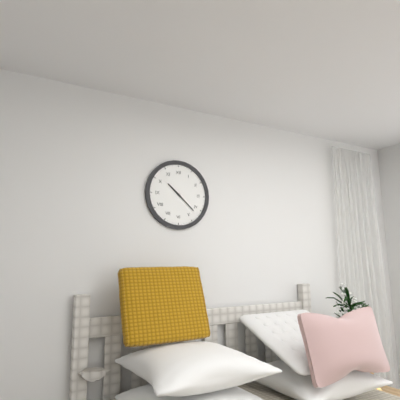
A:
10.22
